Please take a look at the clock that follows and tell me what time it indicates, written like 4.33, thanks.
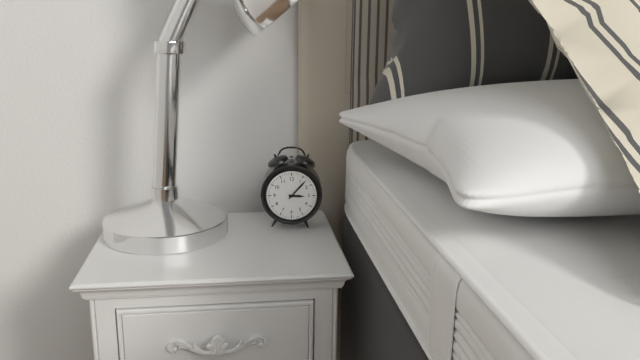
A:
3.07
